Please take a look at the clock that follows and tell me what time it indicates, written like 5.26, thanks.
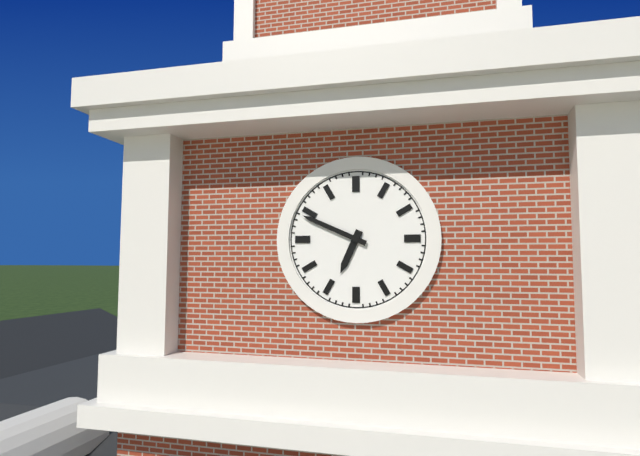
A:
6.49
